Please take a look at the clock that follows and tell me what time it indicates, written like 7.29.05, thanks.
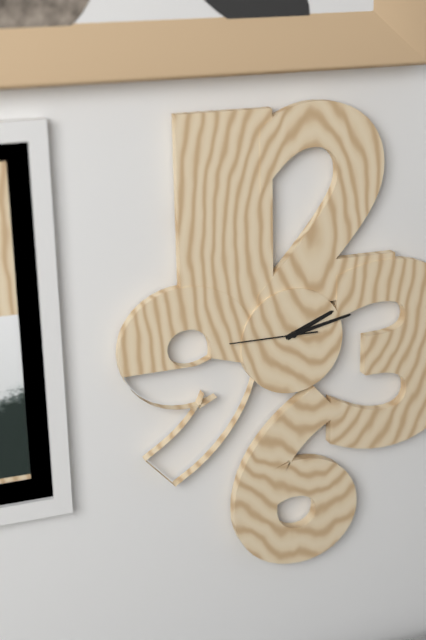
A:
2.13.45
